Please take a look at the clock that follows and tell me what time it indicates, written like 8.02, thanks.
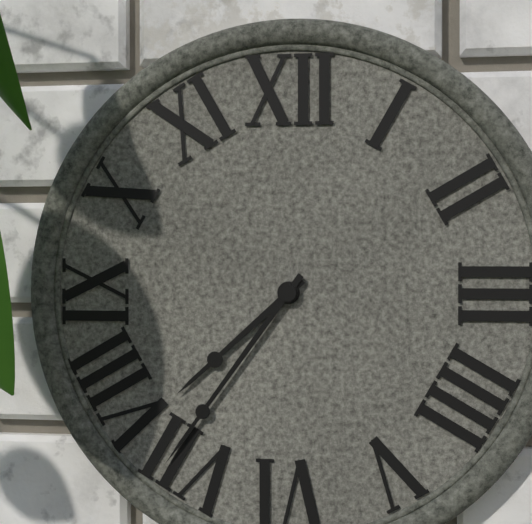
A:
7.36
